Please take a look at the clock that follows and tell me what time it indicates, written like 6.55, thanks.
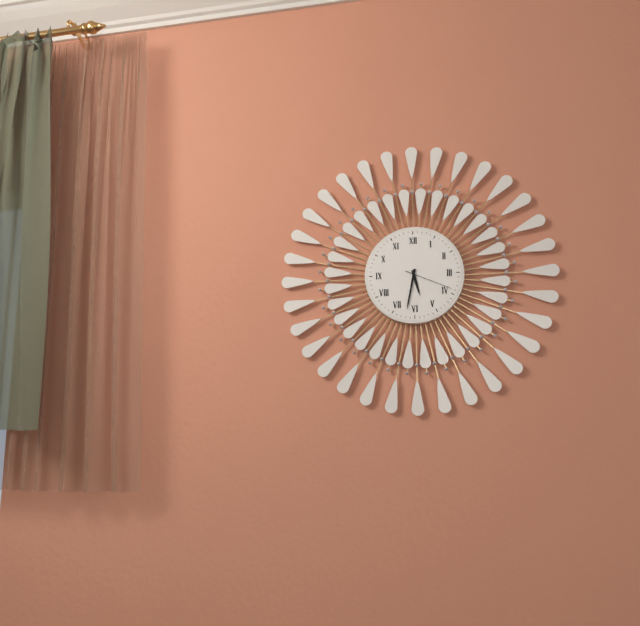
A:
5.32
